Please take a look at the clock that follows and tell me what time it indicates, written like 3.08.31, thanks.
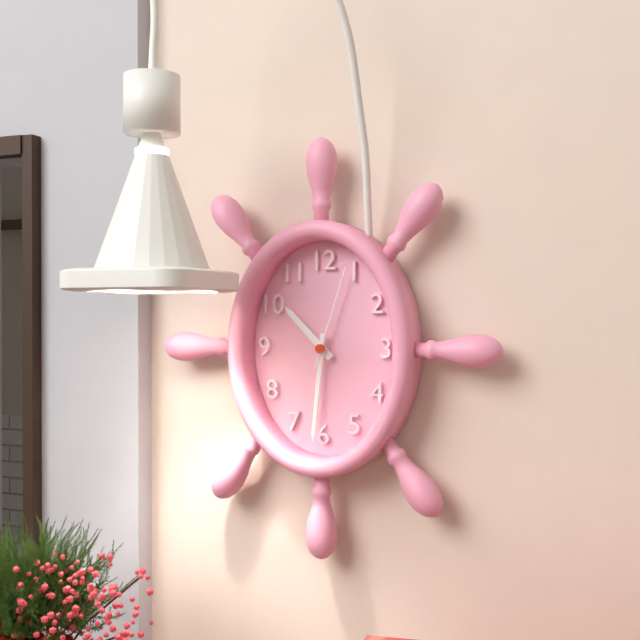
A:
10.31.03
